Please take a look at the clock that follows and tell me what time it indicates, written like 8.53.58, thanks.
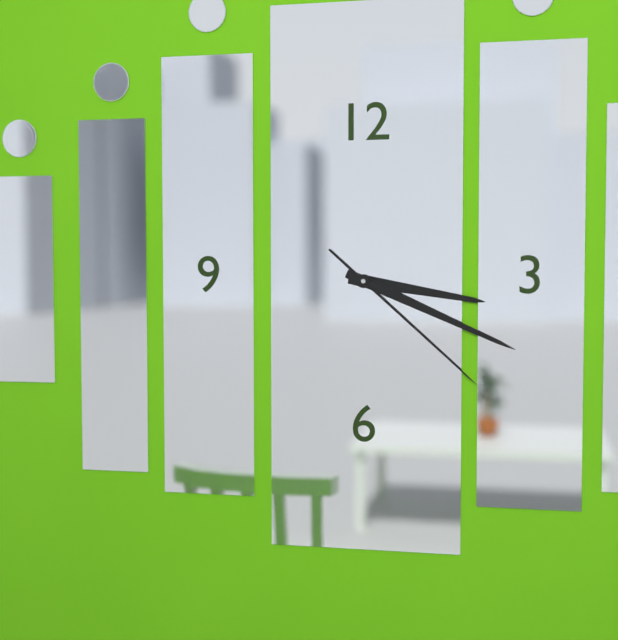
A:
3.19.22
